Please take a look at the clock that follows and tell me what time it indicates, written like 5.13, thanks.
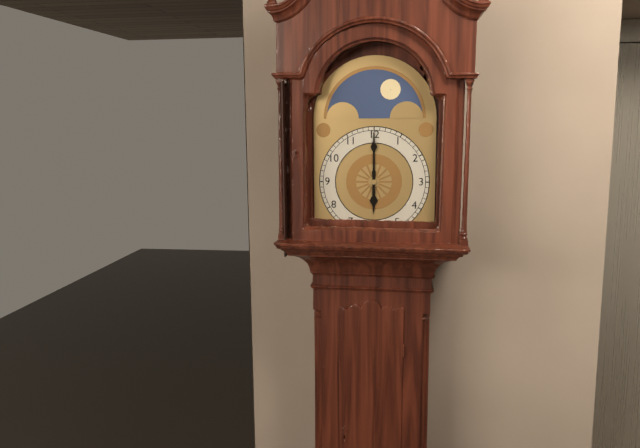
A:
6.00
